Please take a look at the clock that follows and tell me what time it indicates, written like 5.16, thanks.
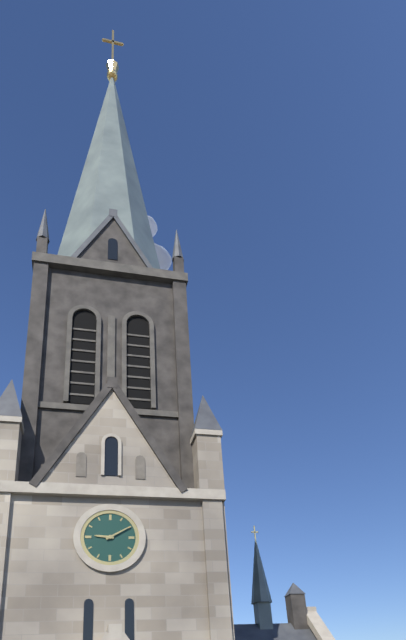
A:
9.10
